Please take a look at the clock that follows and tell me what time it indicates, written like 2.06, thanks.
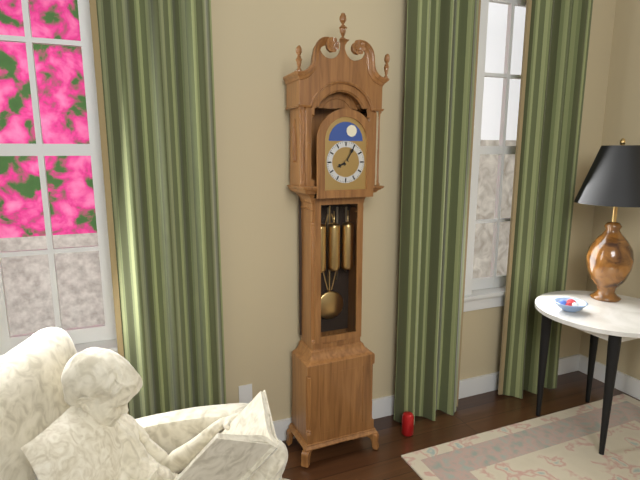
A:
8.05
